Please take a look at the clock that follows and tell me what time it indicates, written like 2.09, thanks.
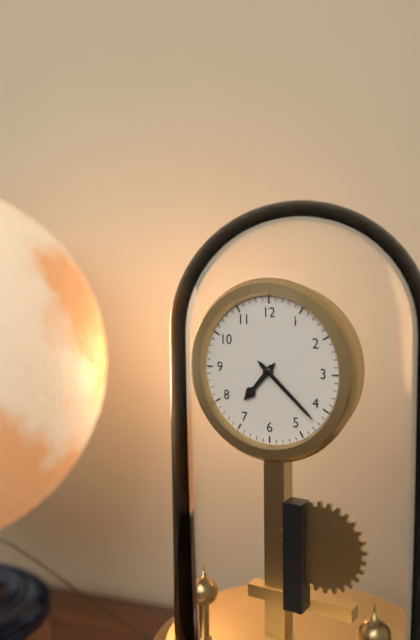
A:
7.22
